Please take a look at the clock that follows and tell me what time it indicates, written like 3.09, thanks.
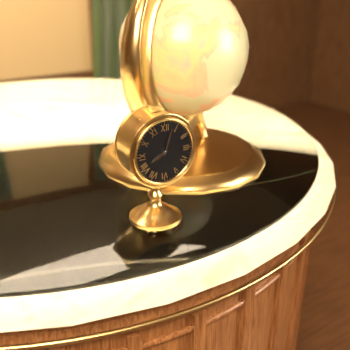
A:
8.03
